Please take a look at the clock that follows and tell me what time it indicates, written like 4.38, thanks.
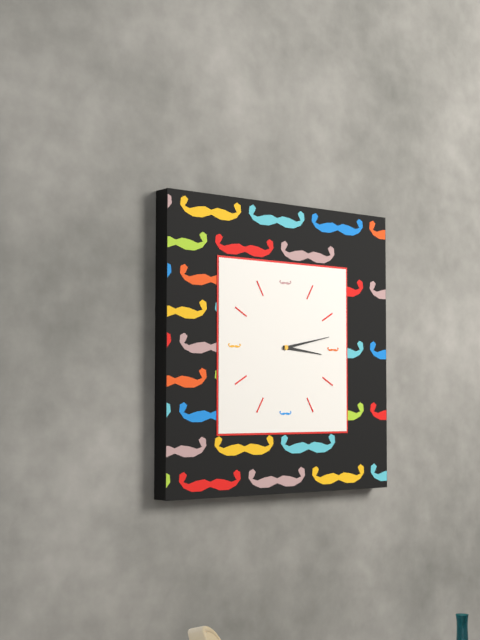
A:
3.13
